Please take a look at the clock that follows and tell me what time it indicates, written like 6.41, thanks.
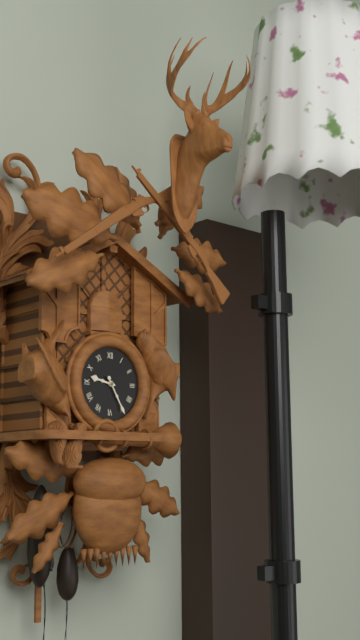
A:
9.25
